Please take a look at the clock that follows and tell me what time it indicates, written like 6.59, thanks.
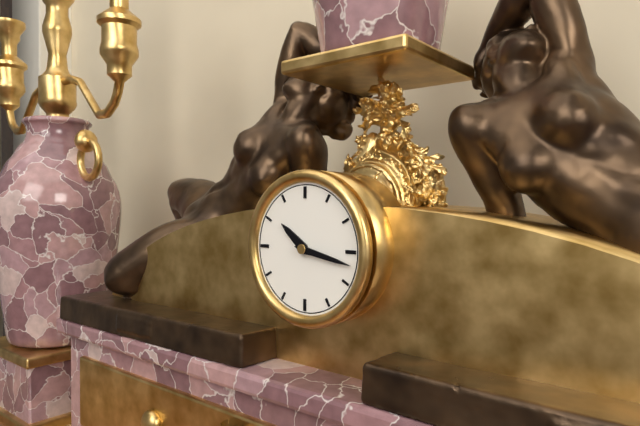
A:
10.17
